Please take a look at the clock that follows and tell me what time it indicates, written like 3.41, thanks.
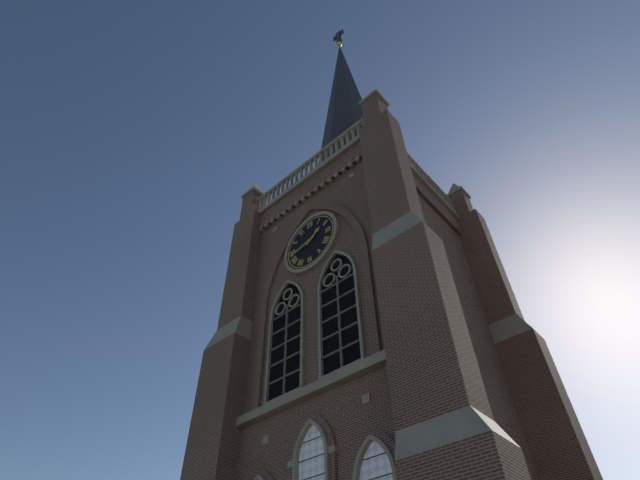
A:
1.43
